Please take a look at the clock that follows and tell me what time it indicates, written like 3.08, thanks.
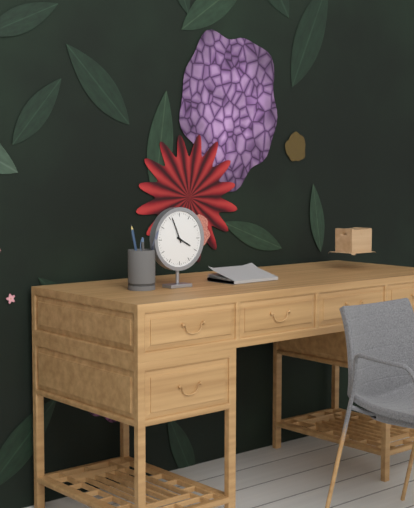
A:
3.56
